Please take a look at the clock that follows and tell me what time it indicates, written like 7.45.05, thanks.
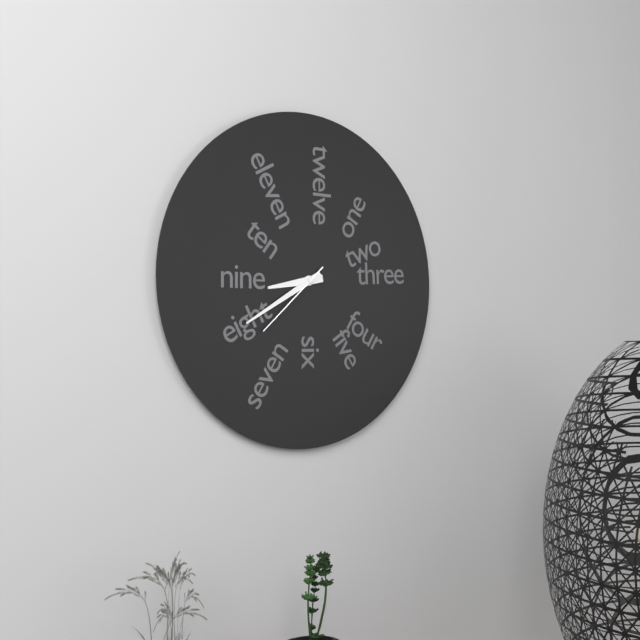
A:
8.40.38
